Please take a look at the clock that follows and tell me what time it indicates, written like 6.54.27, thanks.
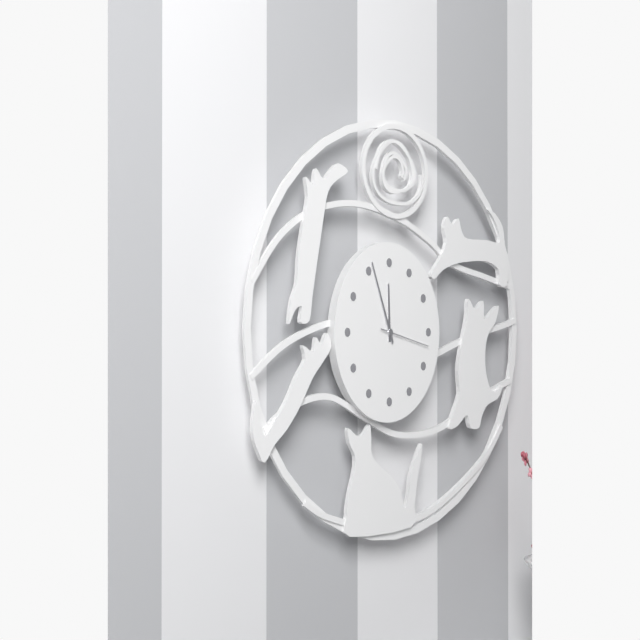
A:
11.56.17
